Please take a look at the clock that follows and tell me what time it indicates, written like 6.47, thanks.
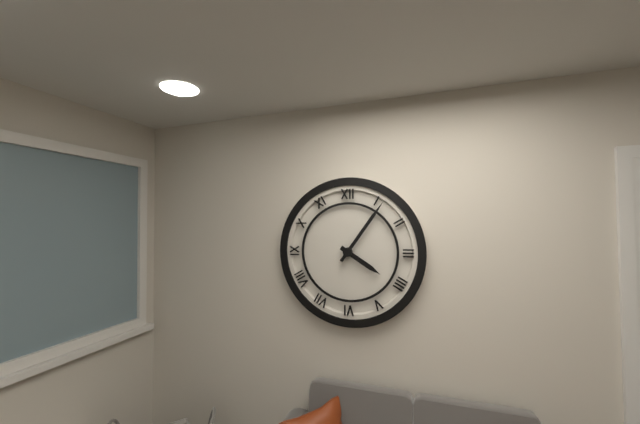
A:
4.06
